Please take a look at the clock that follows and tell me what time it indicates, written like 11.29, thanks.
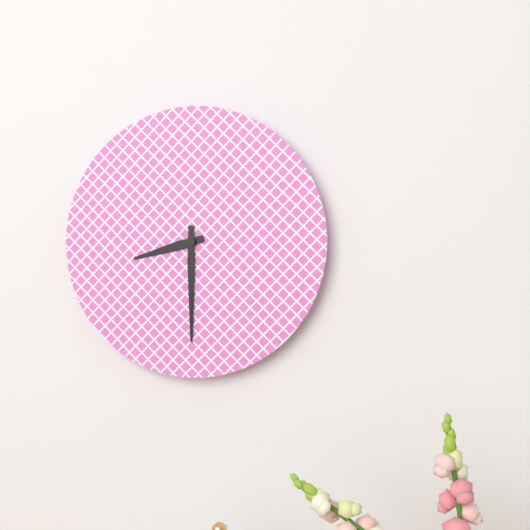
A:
8.30
